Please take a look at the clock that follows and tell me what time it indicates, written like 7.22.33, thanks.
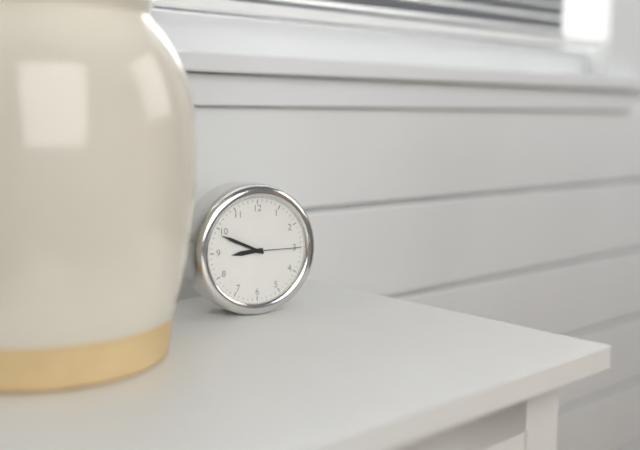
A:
8.49.15
